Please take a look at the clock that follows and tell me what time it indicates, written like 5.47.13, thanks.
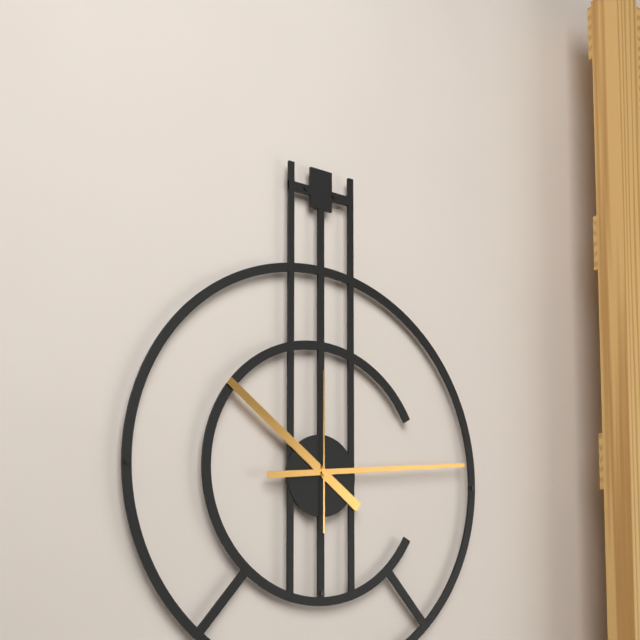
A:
10.14.00
